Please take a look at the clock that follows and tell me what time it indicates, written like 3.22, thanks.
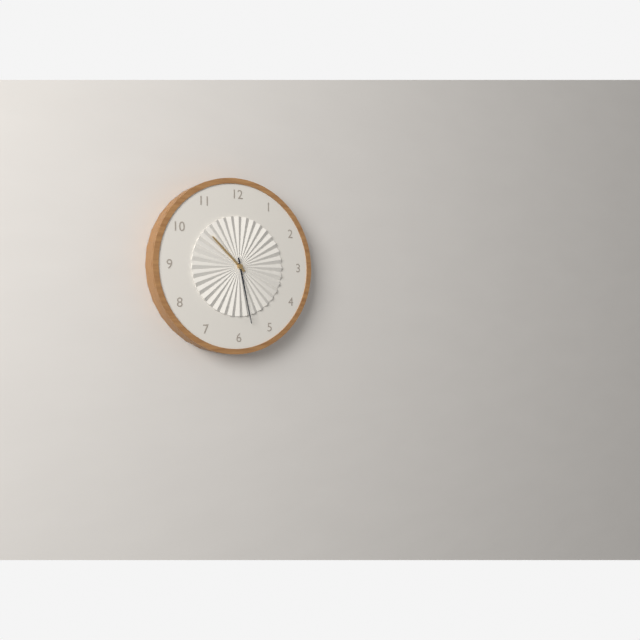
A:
10.28
